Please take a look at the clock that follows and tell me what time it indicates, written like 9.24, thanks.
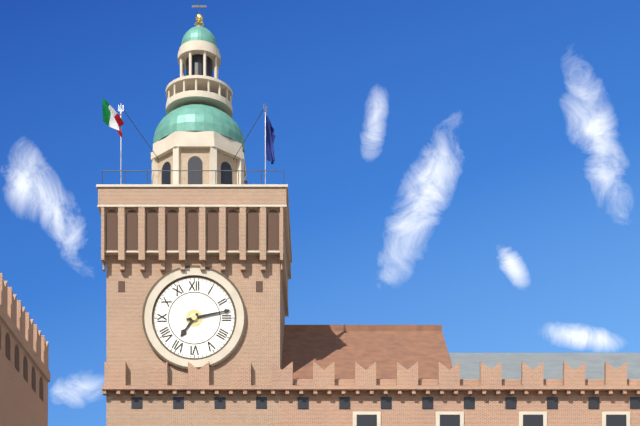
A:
7.13
